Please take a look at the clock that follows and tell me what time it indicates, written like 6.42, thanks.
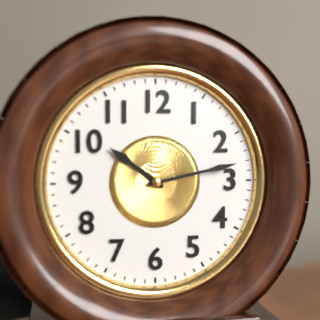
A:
10.13
